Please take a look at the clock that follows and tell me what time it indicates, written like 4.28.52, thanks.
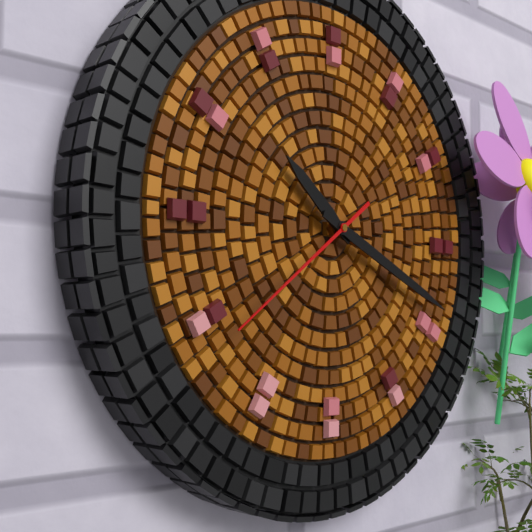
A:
10.19.39
